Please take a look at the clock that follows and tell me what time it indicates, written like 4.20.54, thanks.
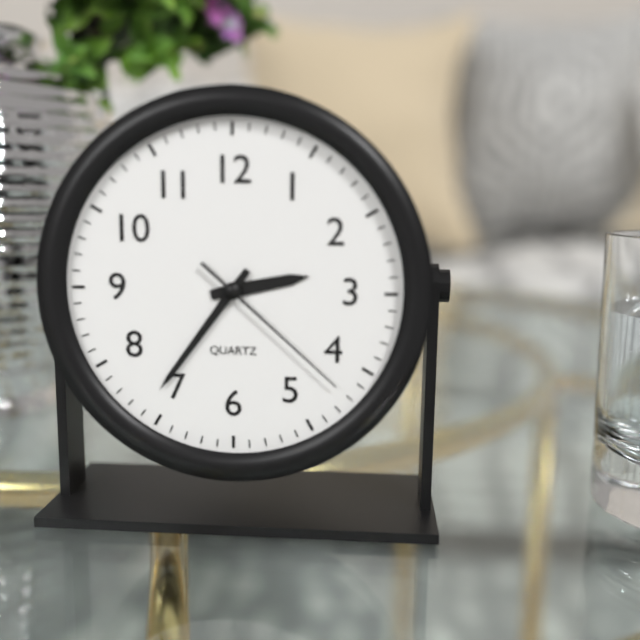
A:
2.36.22
